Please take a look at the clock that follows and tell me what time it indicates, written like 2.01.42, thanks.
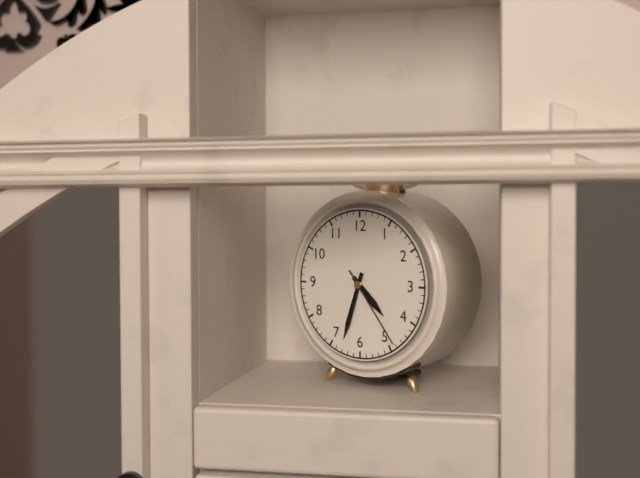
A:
4.33.24
